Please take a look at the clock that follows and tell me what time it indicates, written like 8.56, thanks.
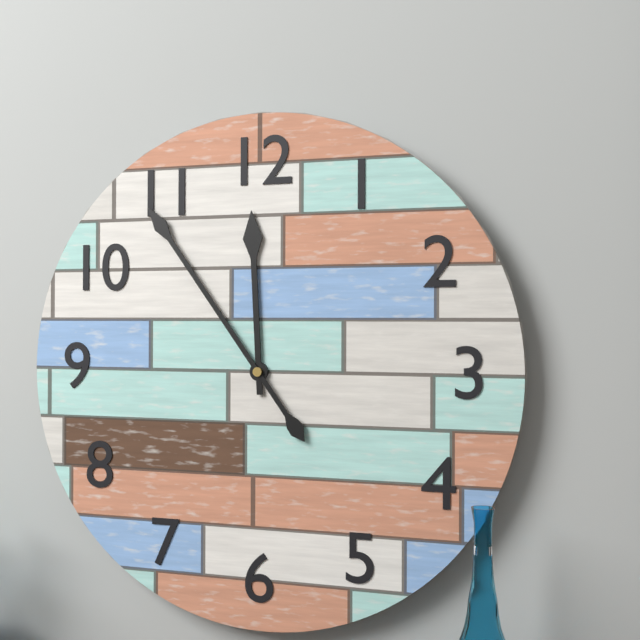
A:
11.54
